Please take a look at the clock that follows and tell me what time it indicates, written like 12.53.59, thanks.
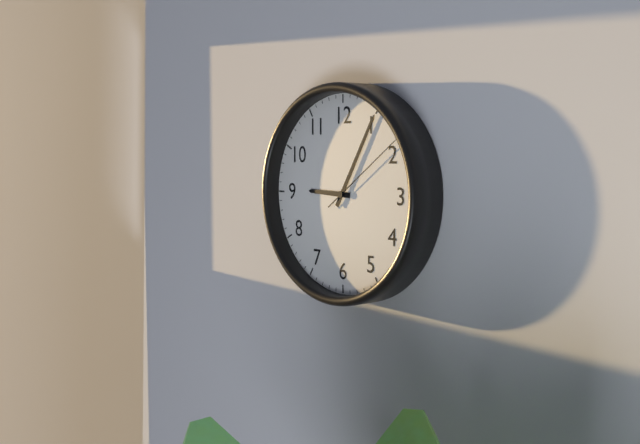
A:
9.05.09
